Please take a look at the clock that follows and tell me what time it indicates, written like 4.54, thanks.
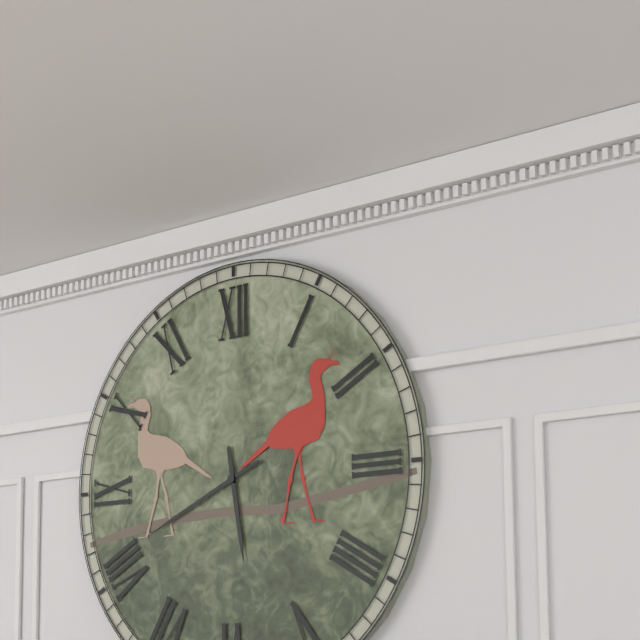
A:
5.41
